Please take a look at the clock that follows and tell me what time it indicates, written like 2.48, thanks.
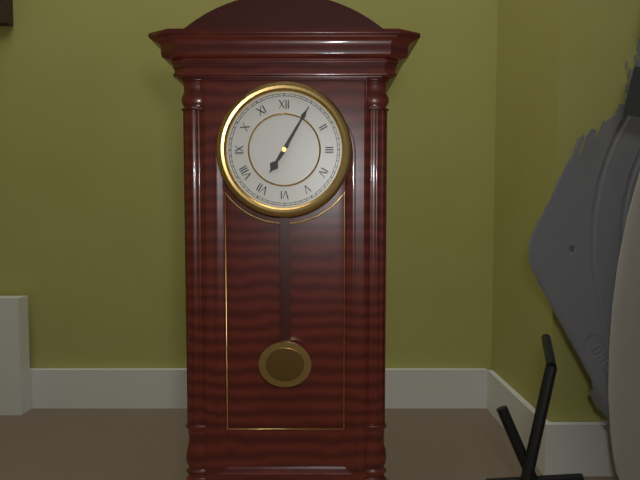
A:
7.05
